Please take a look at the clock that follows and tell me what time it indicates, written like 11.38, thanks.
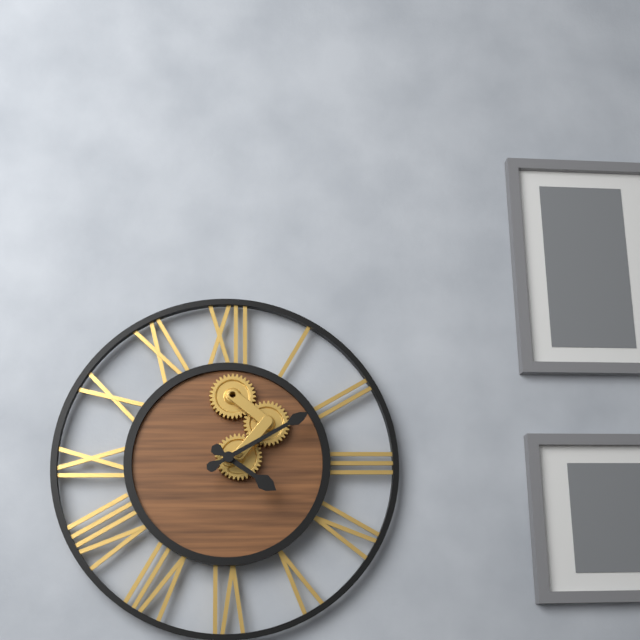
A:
4.10
